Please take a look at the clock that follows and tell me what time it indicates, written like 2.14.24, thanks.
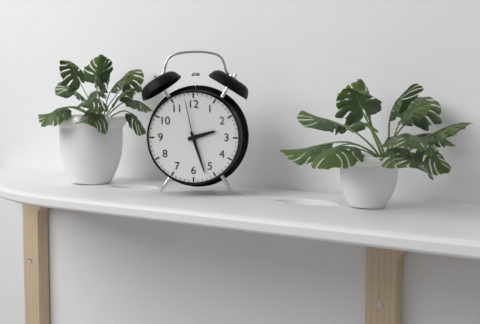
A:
2.27.58
